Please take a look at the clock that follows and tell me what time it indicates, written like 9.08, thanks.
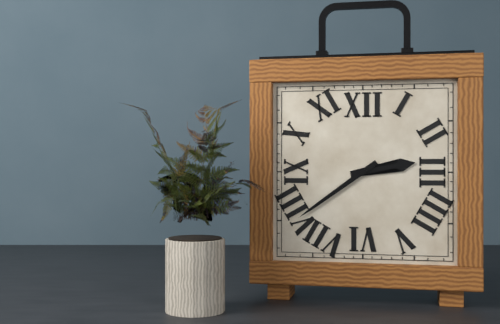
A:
2.39
